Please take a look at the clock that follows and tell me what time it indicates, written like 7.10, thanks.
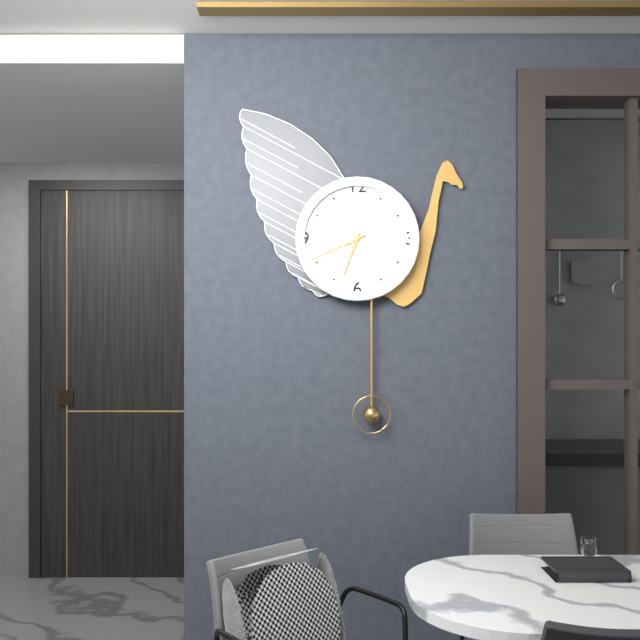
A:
6.41
